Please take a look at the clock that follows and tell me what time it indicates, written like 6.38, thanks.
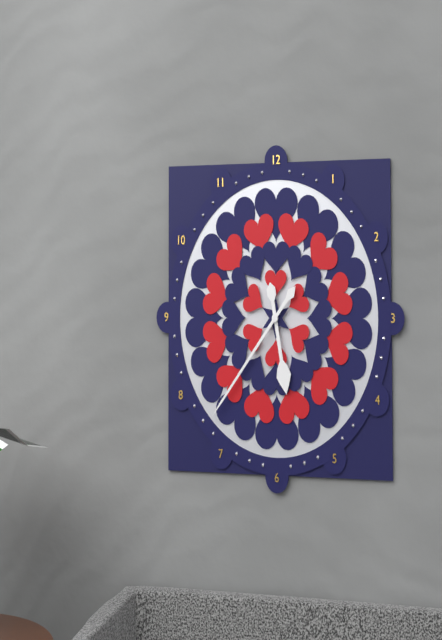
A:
5.37
